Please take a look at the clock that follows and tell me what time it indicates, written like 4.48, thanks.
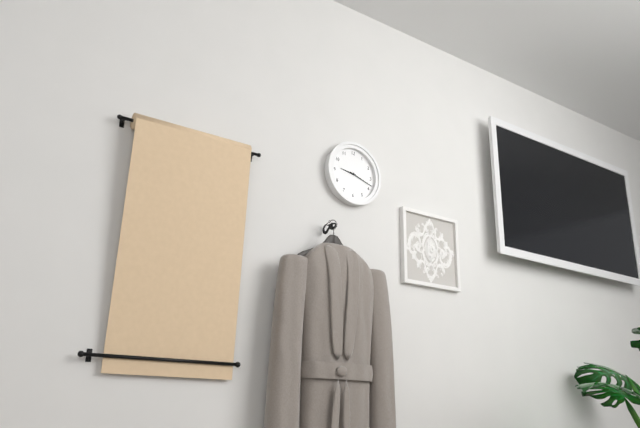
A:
9.18
